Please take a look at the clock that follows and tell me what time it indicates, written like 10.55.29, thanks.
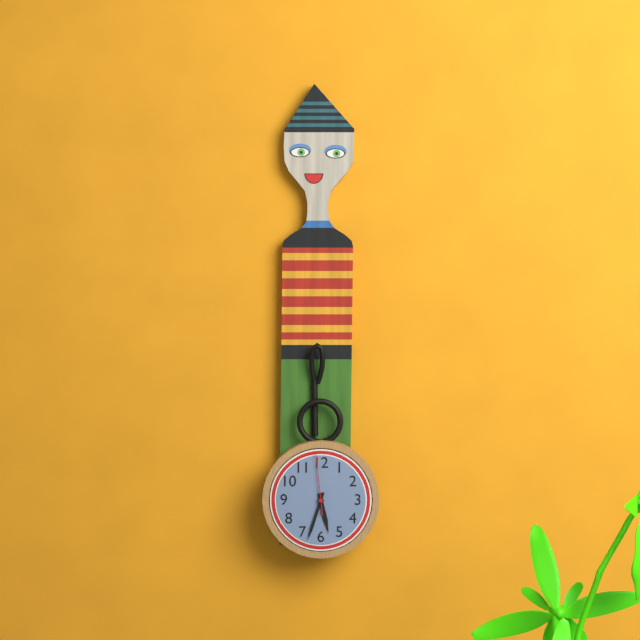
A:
5.33.59
